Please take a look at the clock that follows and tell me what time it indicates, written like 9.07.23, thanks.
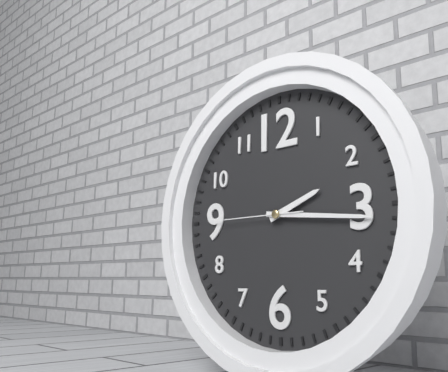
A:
2.16.45
